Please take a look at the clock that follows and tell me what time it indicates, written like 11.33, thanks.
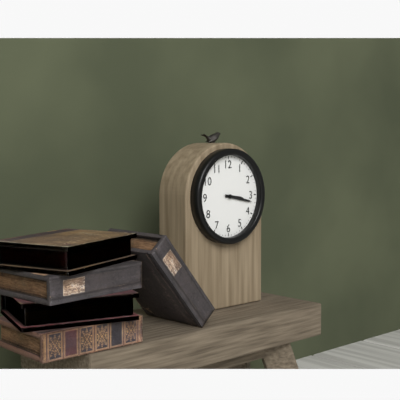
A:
3.17
